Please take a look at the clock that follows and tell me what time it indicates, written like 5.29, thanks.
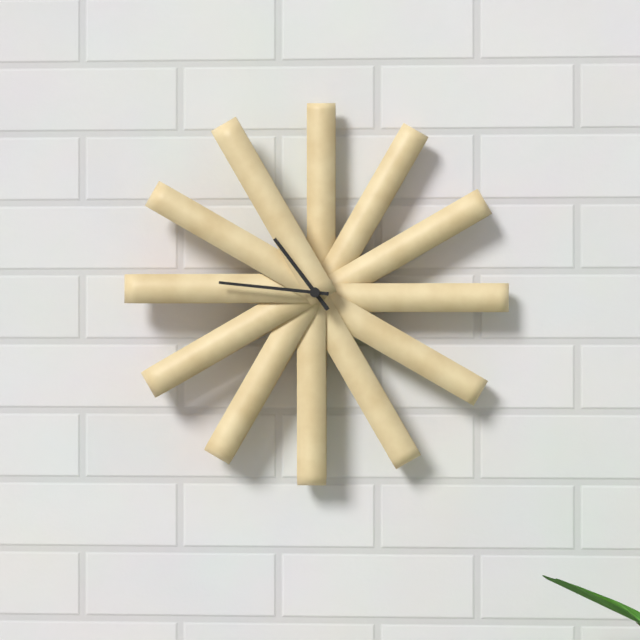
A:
10.46
